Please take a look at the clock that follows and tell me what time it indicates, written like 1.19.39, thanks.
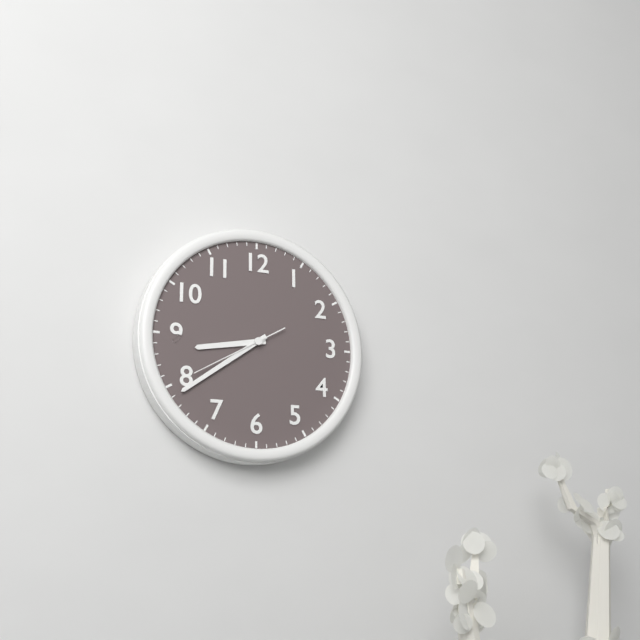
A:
8.39.40
